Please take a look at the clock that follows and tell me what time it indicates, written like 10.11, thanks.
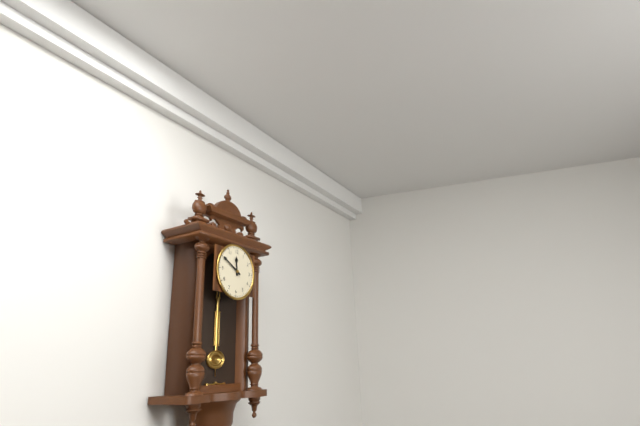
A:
11.50
